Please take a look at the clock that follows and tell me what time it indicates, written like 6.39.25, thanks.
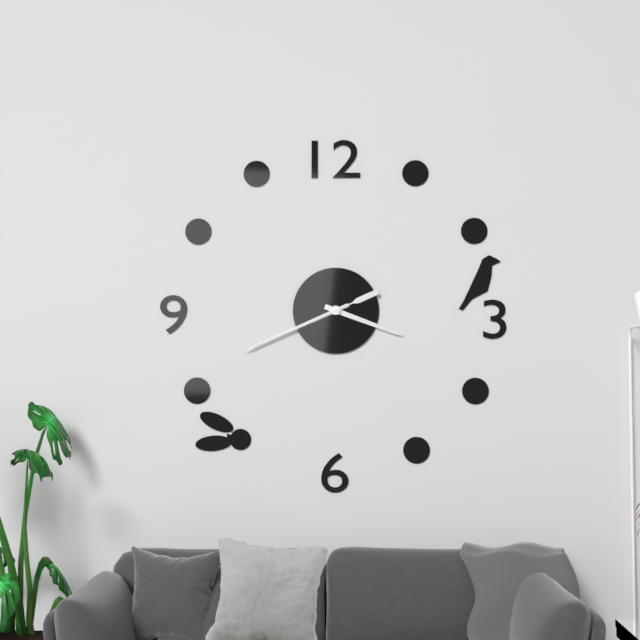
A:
3.41.41
